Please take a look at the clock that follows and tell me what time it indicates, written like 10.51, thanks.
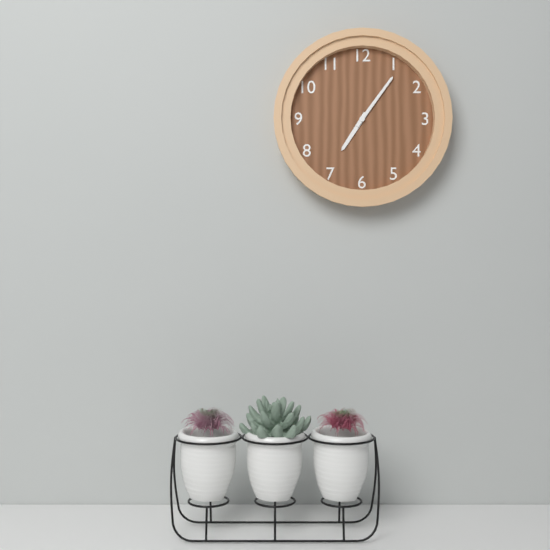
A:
7.06
